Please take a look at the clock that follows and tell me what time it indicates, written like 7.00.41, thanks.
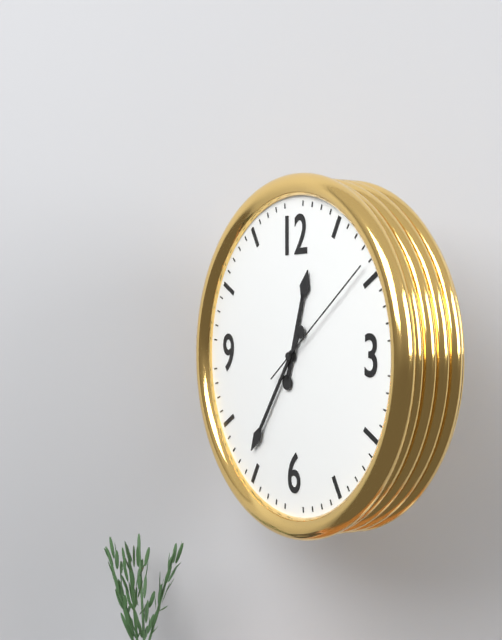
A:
12.36.09
